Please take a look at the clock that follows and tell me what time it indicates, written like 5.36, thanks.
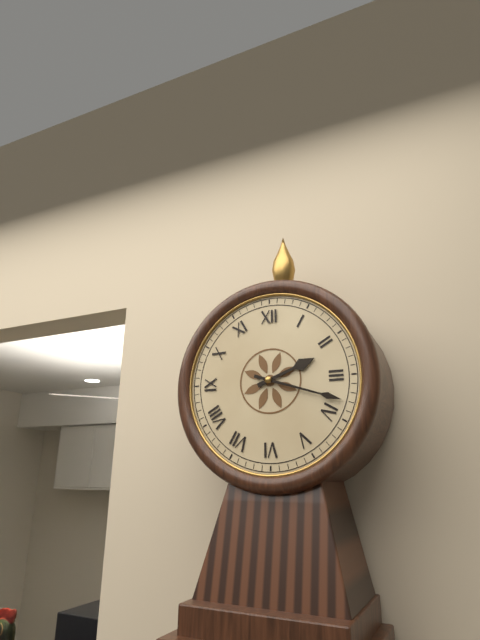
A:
2.18
